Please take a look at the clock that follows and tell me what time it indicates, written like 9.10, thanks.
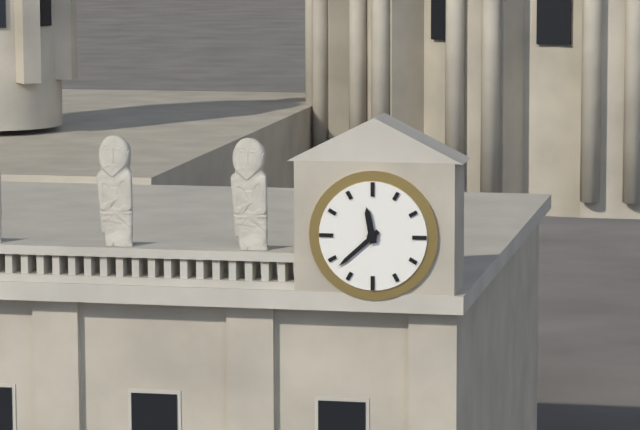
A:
11.38
